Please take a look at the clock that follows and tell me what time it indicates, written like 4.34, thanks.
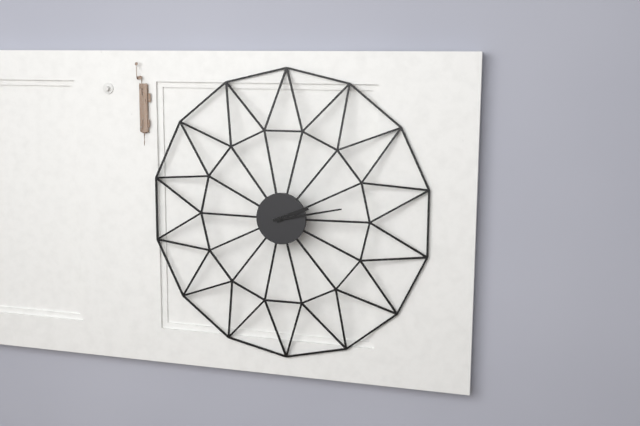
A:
2.13
